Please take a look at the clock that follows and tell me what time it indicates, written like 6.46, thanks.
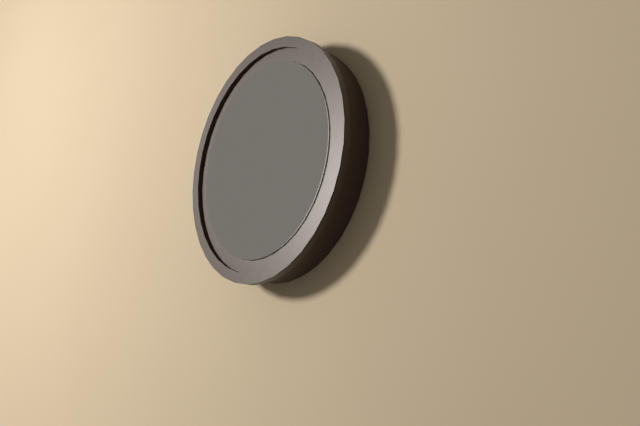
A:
11.49
